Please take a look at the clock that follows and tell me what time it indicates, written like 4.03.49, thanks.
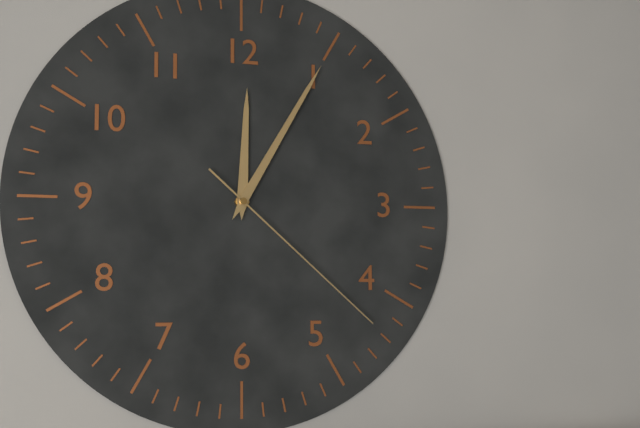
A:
12.05.22
